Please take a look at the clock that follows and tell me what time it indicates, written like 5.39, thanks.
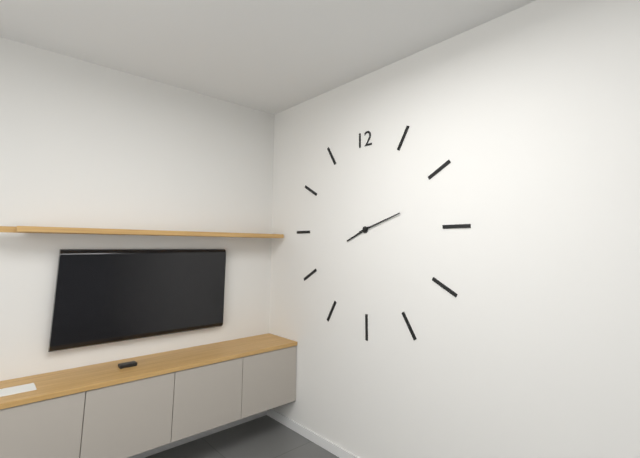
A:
8.12
